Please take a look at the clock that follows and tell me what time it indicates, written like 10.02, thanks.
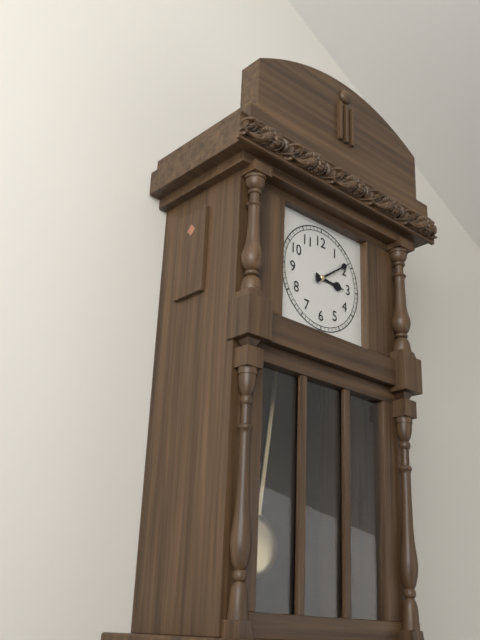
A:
3.09
